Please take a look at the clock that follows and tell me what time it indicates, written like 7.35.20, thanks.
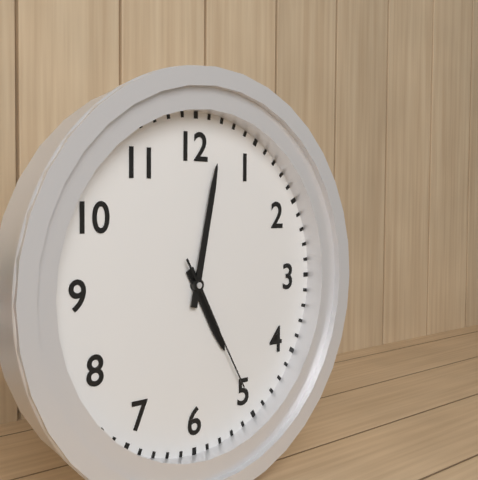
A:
5.02.25
